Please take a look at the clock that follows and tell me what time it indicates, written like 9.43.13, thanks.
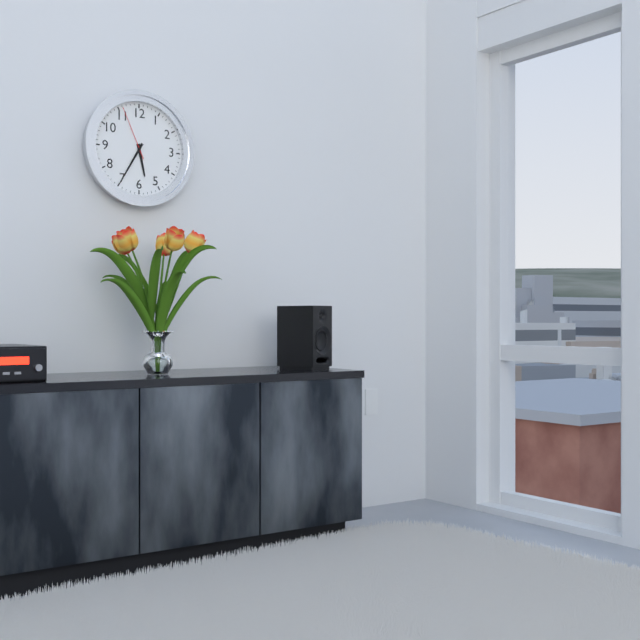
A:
5.35.56
